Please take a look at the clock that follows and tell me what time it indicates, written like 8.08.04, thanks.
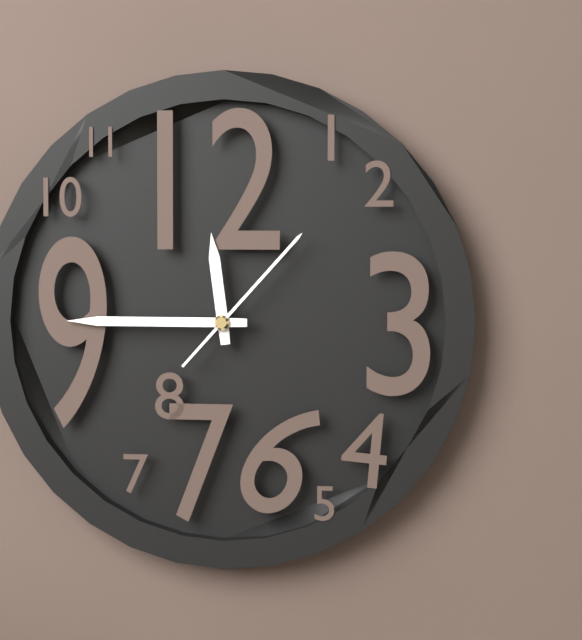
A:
11.45.07
